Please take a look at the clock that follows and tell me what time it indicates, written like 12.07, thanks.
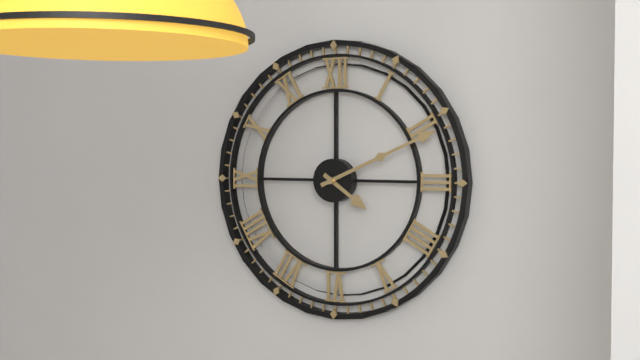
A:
4.11
